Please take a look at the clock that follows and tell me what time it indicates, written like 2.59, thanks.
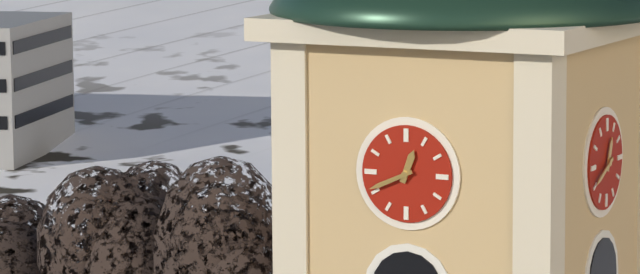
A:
12.41
